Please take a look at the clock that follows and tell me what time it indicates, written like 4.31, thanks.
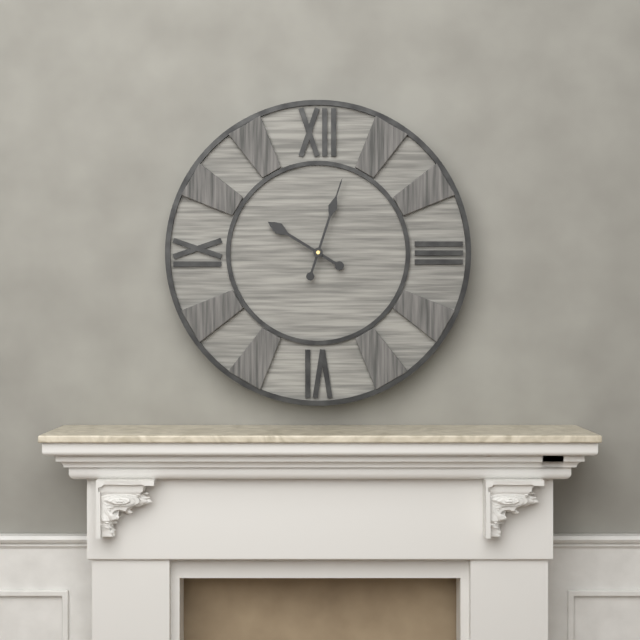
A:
10.03
